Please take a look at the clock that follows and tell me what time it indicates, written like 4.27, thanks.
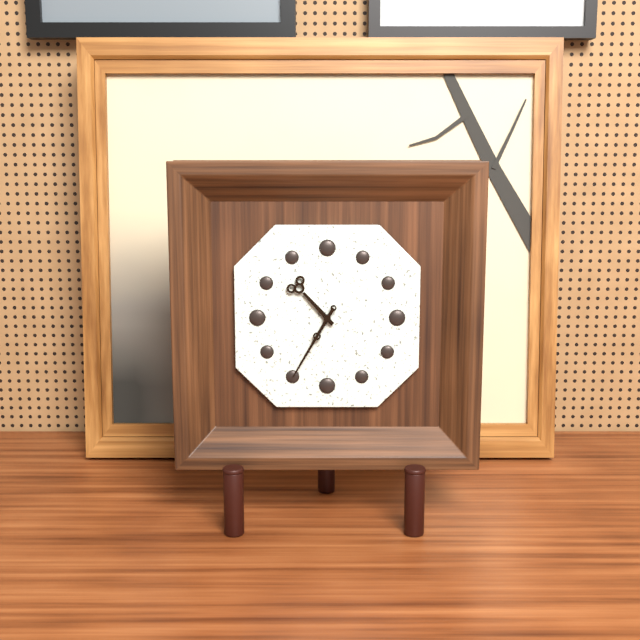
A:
10.35
